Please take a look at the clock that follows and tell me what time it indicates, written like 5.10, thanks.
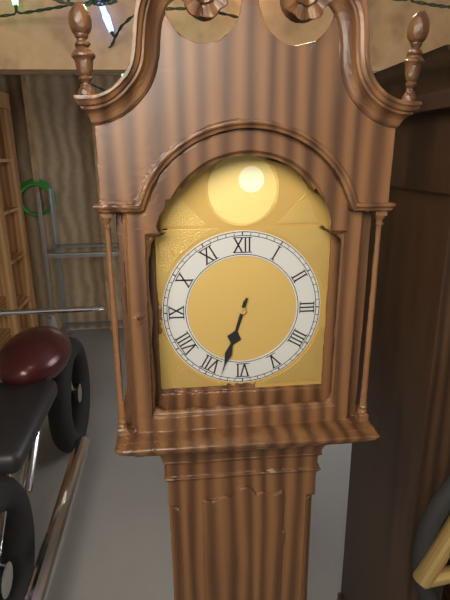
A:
6.33
